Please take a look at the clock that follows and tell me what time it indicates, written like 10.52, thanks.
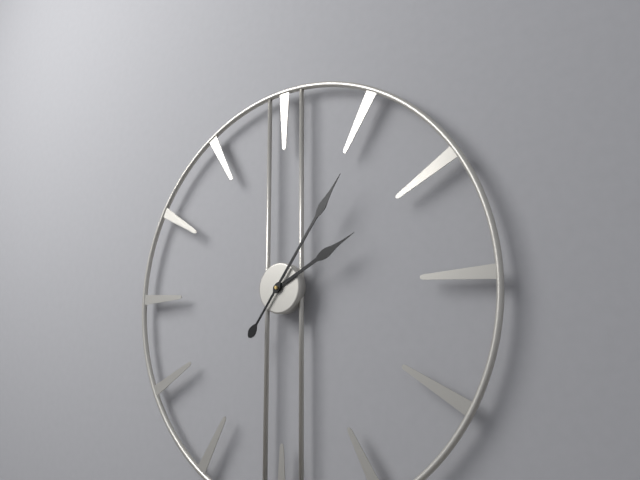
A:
2.06
